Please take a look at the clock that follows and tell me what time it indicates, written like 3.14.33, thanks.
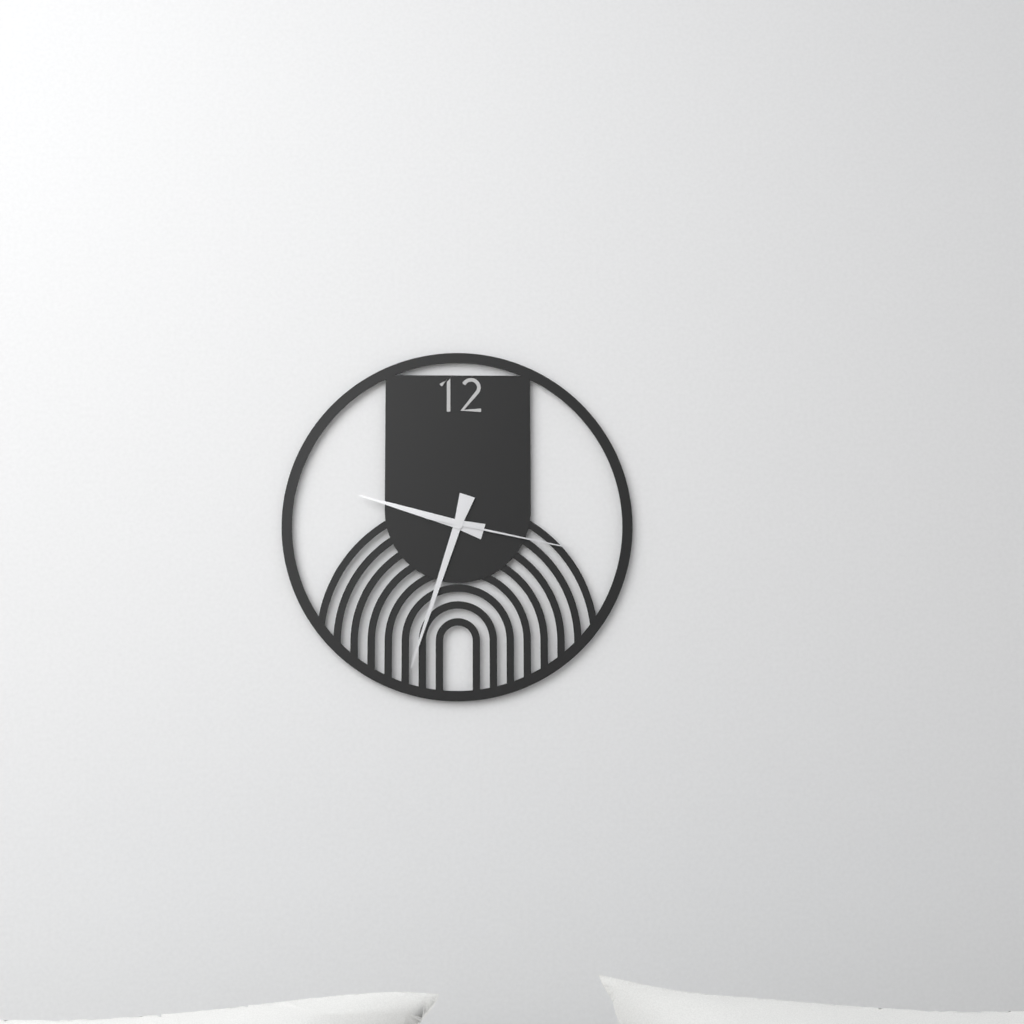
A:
9.33.17
